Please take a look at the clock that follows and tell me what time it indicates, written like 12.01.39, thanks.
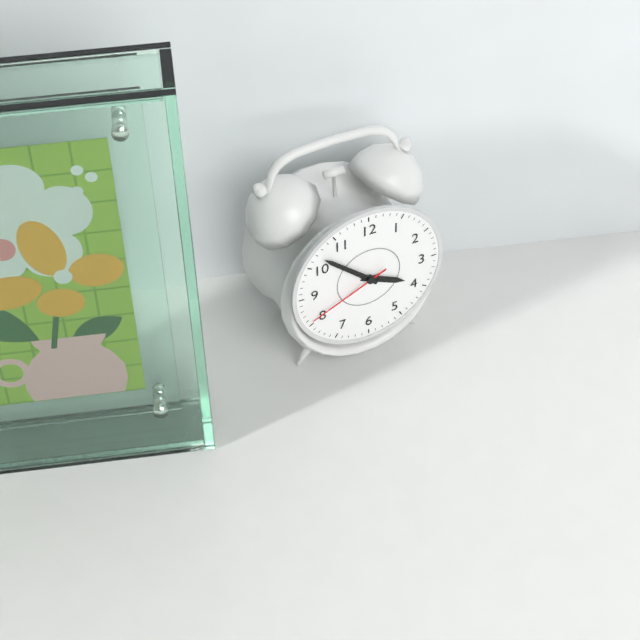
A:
3.52.41
